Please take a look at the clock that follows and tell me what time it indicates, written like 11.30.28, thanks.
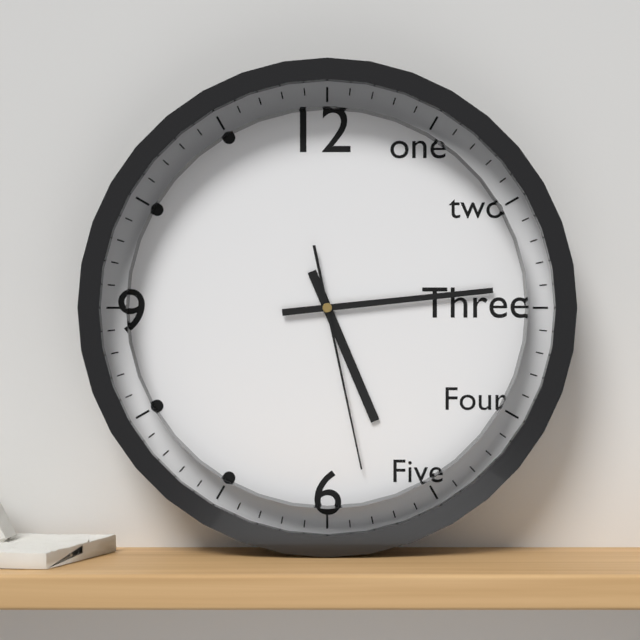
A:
5.14.28
